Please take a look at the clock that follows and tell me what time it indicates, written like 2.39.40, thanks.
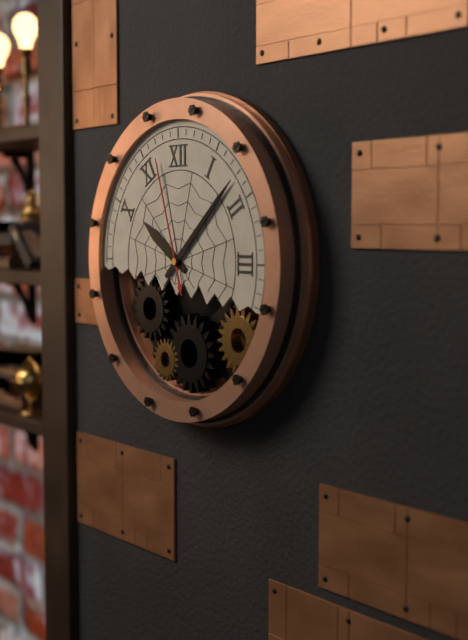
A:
10.08.57
